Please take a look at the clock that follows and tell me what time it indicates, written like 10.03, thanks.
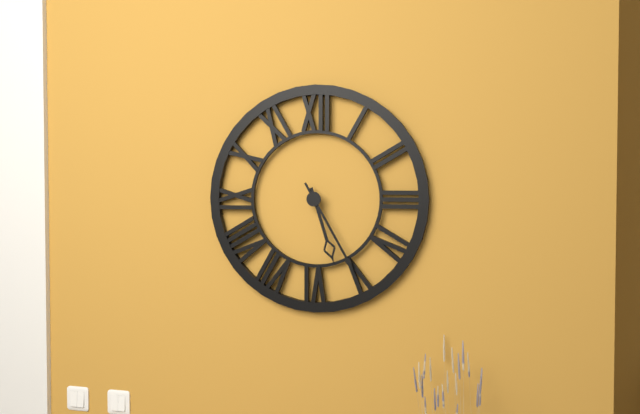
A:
5.25
